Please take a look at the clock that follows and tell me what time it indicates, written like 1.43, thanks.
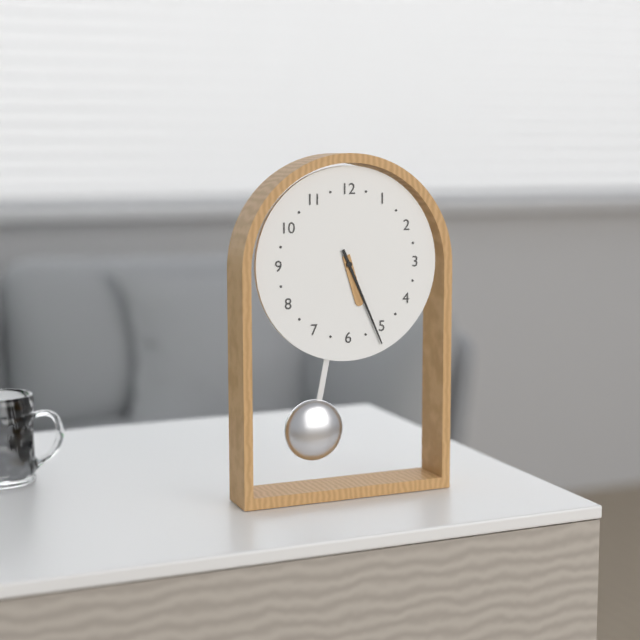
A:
5.26
